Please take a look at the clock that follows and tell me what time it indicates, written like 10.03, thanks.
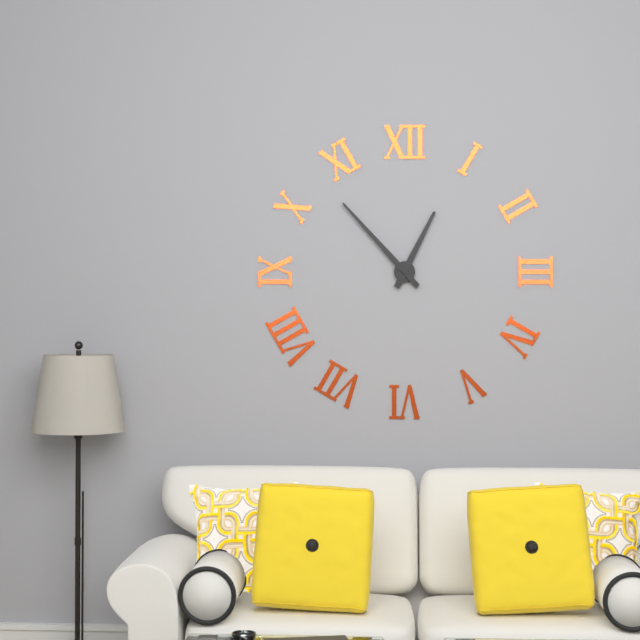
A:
12.53
